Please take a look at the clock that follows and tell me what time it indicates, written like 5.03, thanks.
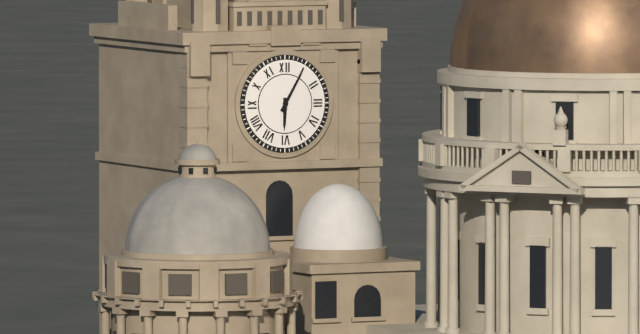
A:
6.05
